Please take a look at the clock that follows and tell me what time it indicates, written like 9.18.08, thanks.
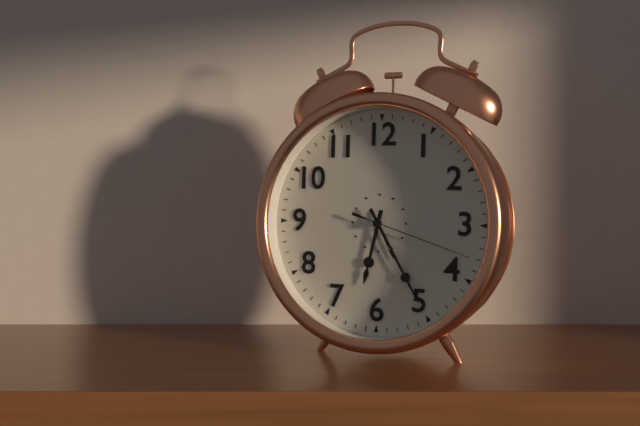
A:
6.25.18
